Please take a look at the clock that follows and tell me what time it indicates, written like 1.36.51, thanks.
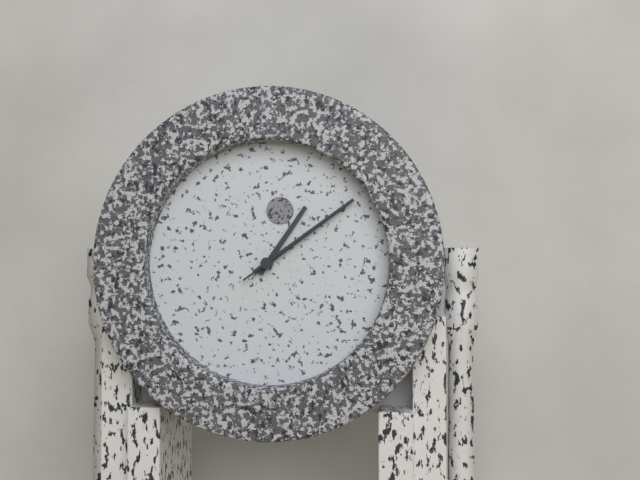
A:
1.09.09
